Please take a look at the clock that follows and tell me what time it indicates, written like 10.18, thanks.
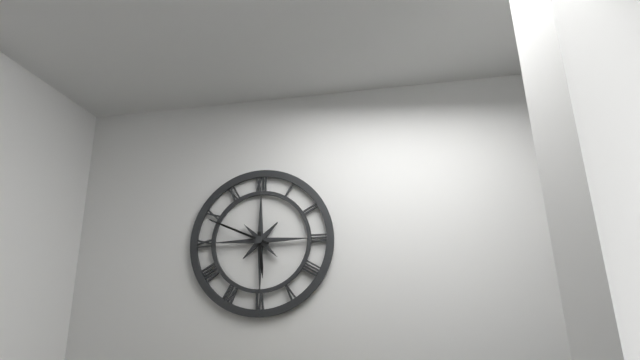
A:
5.49
